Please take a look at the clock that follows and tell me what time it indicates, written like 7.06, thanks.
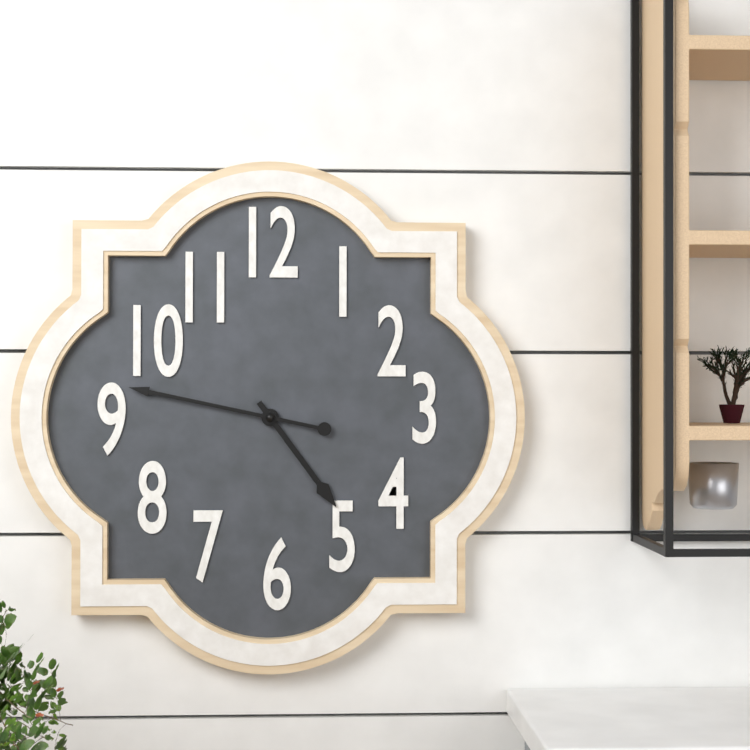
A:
4.47
